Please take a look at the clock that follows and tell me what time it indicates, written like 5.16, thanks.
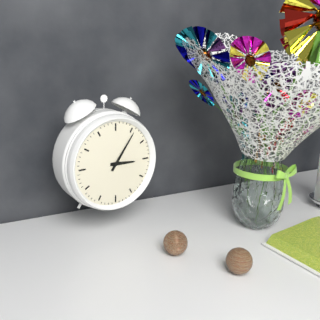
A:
3.06
